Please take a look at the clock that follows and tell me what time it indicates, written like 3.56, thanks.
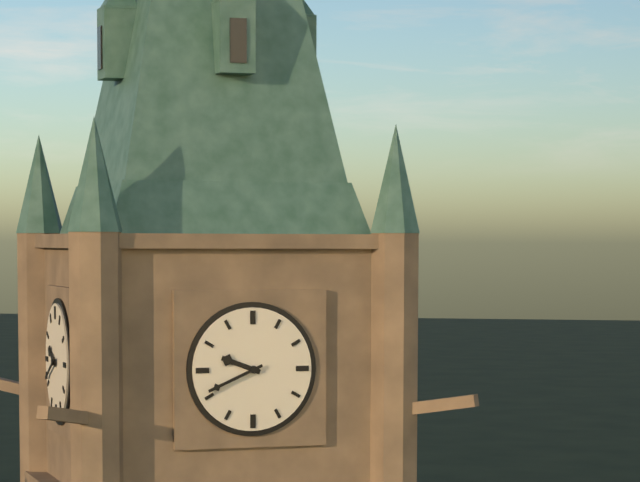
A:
9.41
